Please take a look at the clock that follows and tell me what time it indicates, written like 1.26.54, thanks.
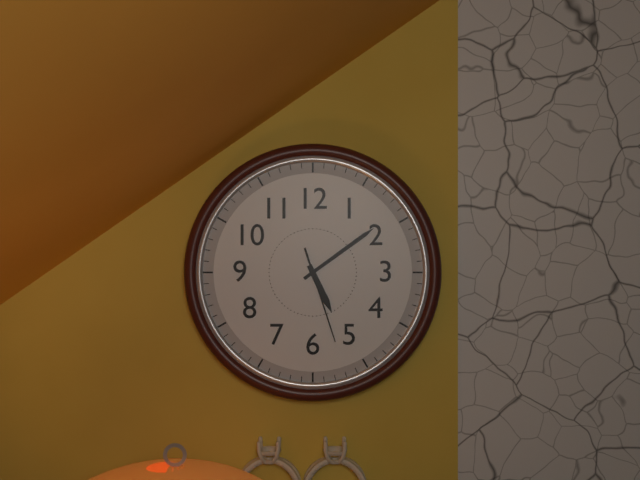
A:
5.09.27
